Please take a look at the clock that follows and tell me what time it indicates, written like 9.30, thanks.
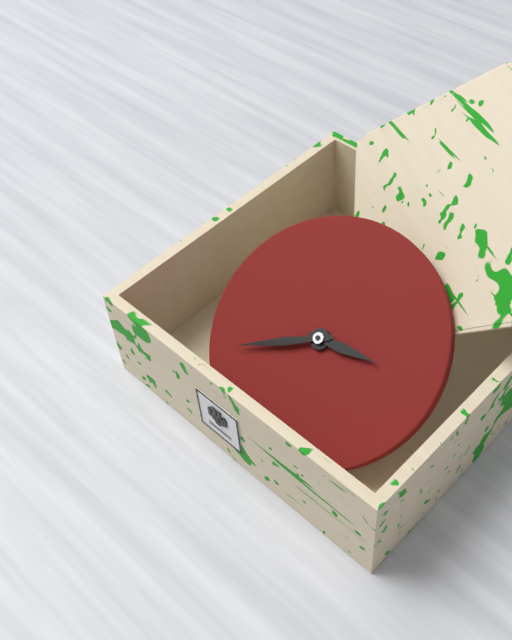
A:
2.39
